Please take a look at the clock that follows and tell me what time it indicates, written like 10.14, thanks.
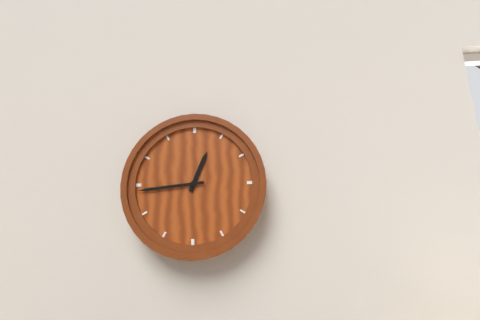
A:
12.44
